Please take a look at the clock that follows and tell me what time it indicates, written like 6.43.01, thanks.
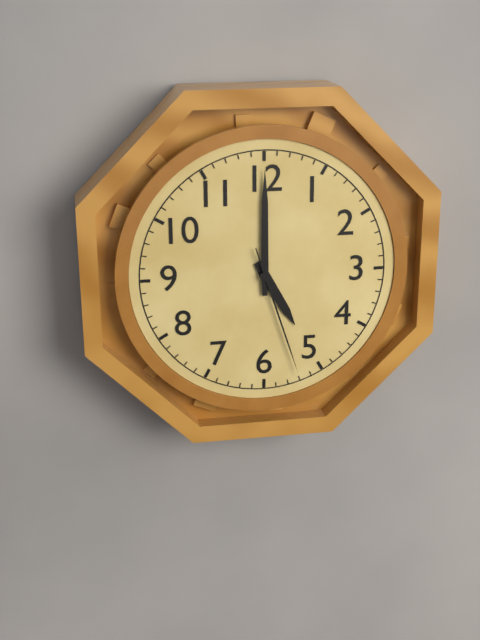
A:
5.00.27
